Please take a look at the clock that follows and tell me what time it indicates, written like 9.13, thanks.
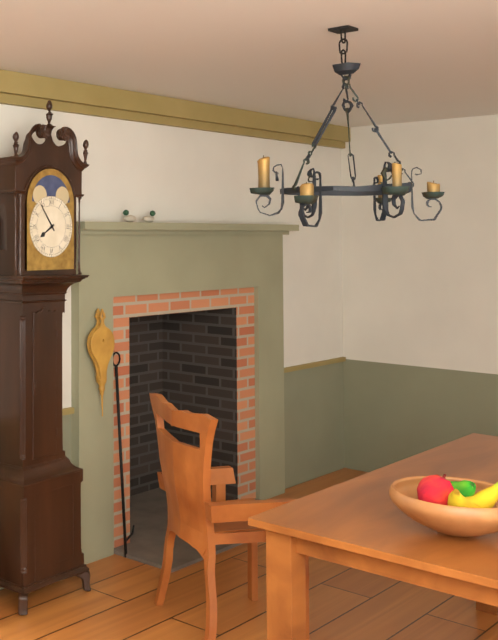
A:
7.54
